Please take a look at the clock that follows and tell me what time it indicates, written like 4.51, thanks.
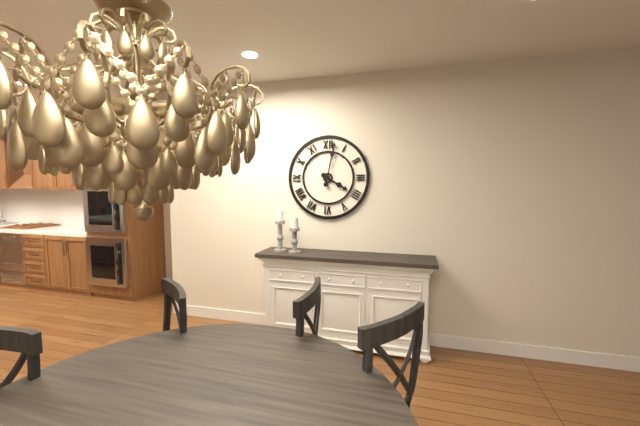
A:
4.02
